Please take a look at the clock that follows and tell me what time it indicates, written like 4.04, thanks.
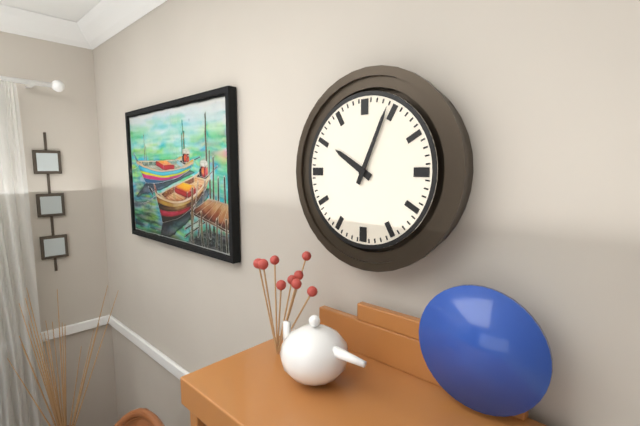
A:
10.04
